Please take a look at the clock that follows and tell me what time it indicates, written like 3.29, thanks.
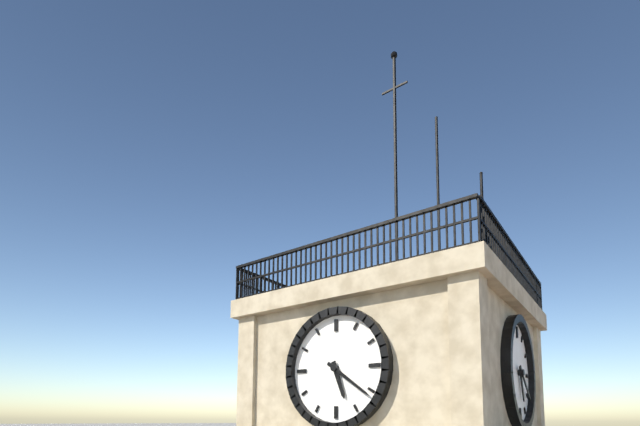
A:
5.21
